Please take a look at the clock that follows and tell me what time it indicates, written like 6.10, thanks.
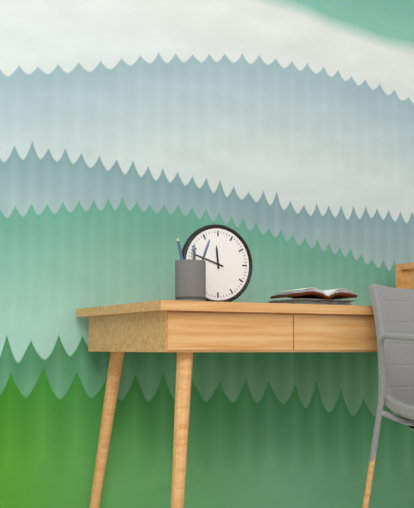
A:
11.48
